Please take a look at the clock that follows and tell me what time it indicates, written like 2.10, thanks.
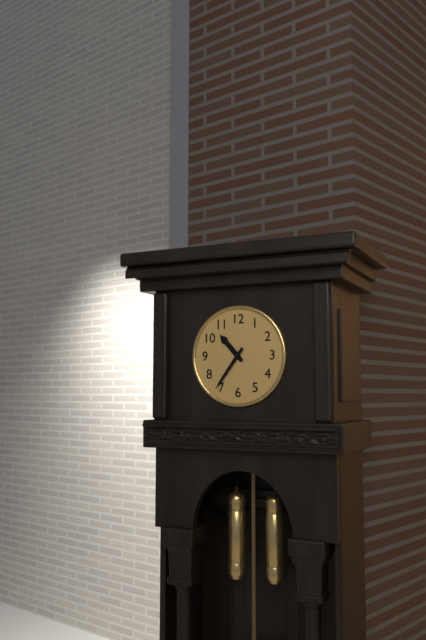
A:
10.36
